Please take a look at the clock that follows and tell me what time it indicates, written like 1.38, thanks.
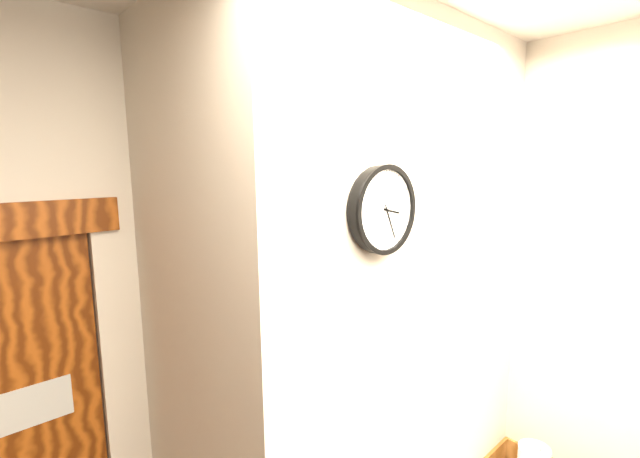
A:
3.26
